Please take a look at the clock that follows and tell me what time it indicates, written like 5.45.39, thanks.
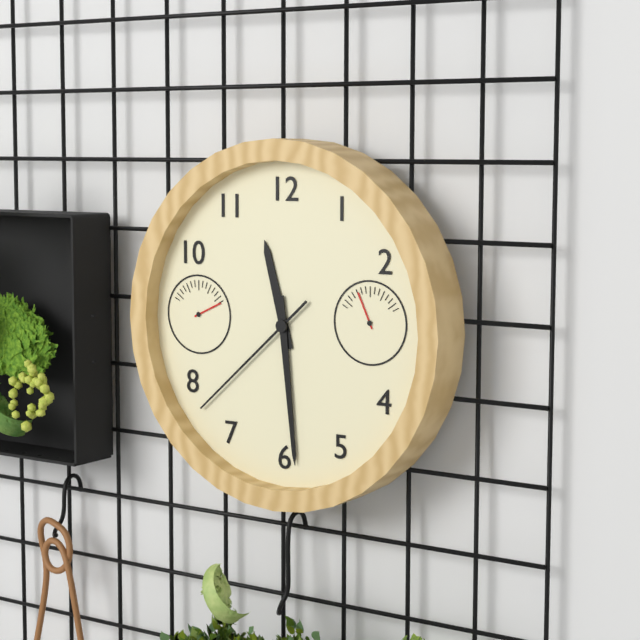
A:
11.29.38
